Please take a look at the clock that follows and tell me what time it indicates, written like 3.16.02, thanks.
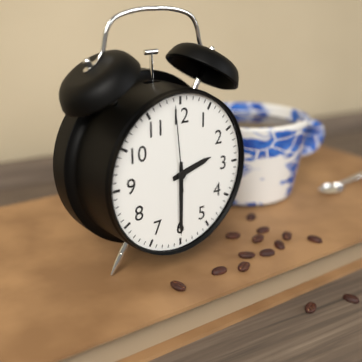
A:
2.30.59
